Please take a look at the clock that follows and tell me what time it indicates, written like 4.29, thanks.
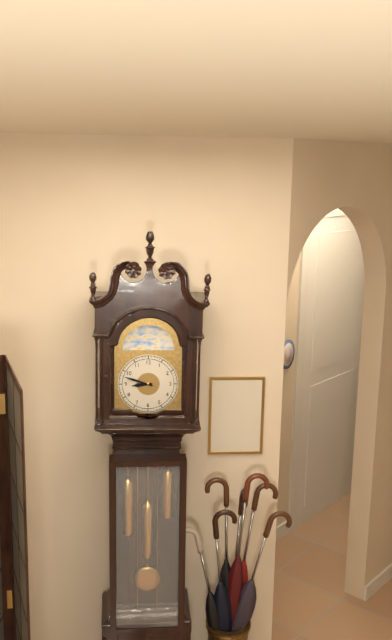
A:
8.48
